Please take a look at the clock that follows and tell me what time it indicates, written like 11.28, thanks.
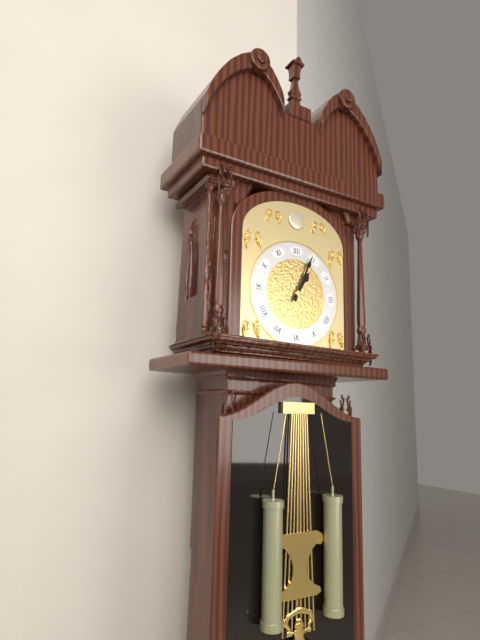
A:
1.04
